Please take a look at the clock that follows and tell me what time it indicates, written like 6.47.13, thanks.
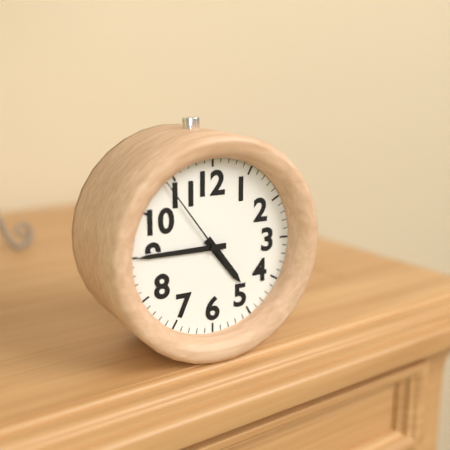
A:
4.45.54
